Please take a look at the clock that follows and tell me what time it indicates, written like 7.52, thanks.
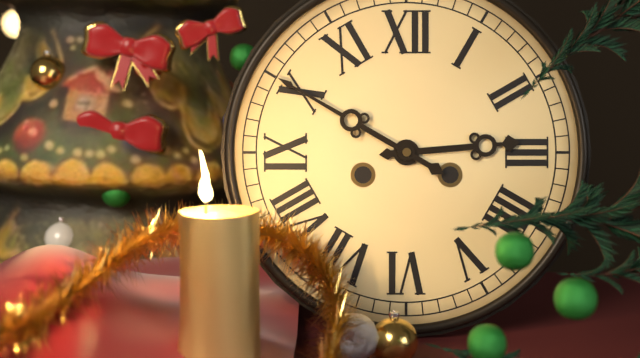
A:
2.50
